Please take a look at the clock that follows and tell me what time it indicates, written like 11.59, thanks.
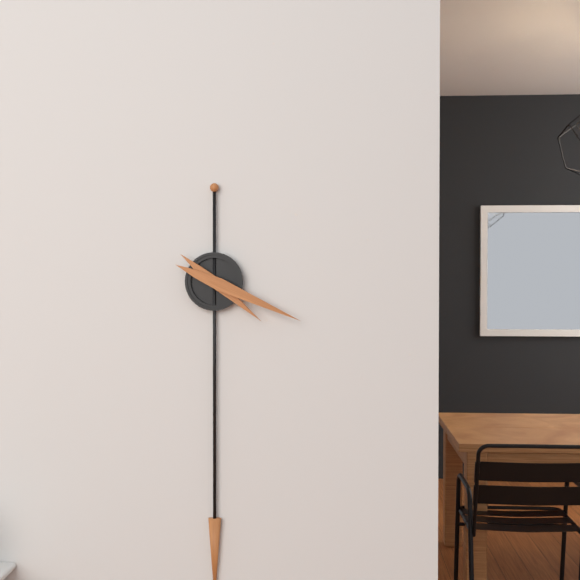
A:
4.19
